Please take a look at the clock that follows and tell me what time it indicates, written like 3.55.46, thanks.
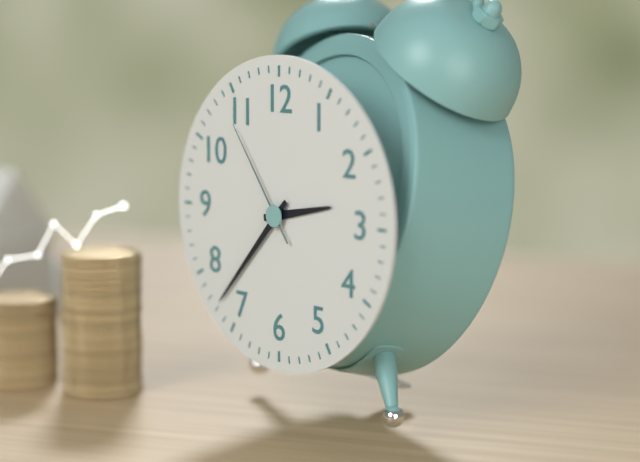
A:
2.37.54
